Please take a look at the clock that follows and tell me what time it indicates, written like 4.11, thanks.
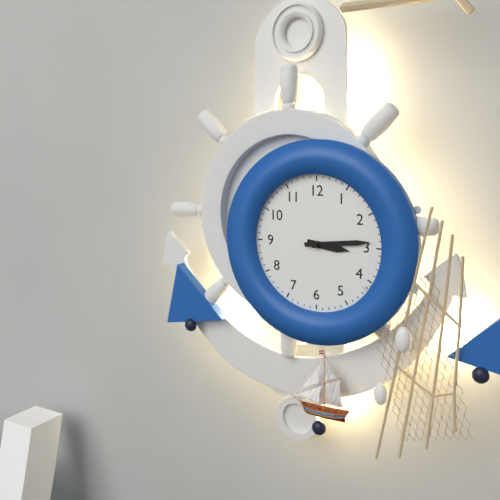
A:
3.14
